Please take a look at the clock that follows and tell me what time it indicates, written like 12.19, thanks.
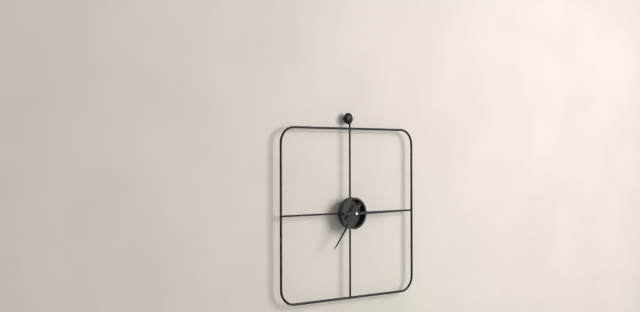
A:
7.15
